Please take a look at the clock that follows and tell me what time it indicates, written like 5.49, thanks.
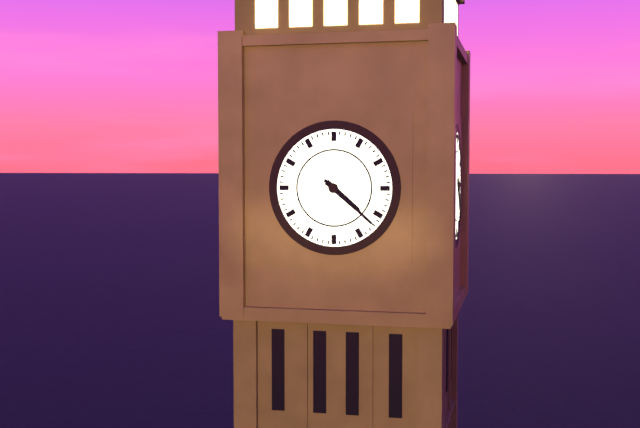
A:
4.22
